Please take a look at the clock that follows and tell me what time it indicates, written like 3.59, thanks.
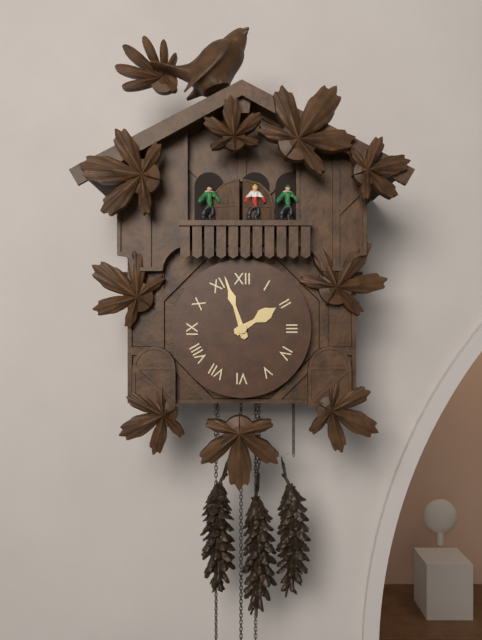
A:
1.57
